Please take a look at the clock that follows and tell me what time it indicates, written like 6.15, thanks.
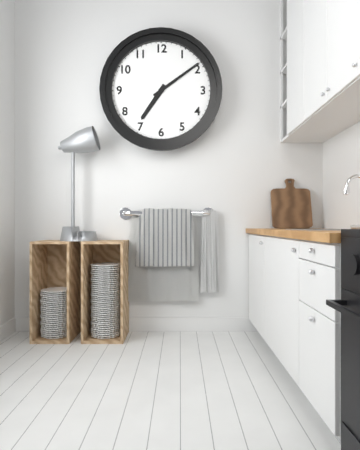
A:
7.09
